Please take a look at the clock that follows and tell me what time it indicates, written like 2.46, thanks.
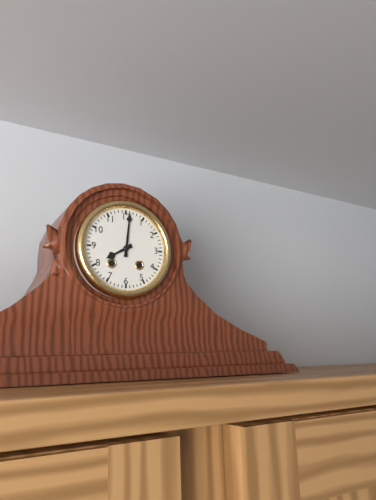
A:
8.01
